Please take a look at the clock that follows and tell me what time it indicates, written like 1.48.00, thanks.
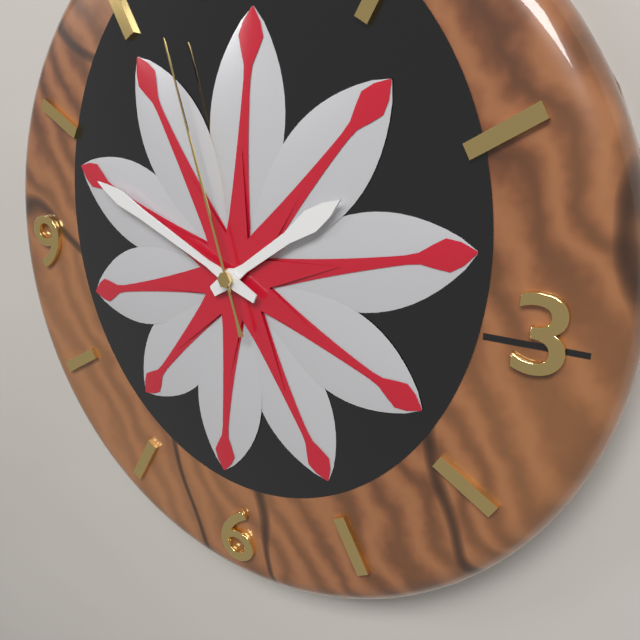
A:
1.49.57
